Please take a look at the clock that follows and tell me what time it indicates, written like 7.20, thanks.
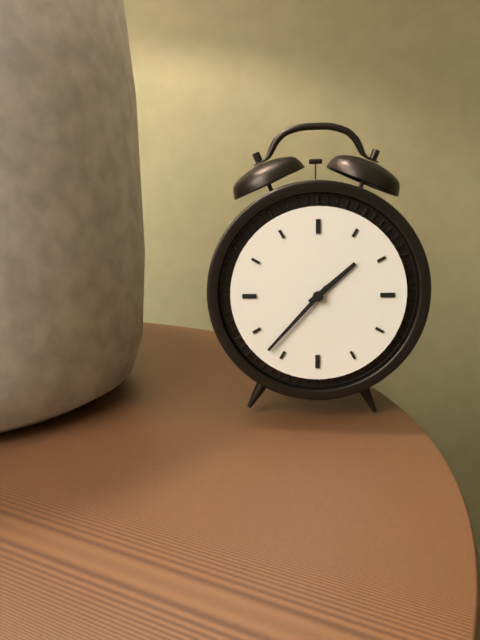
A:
1.37
